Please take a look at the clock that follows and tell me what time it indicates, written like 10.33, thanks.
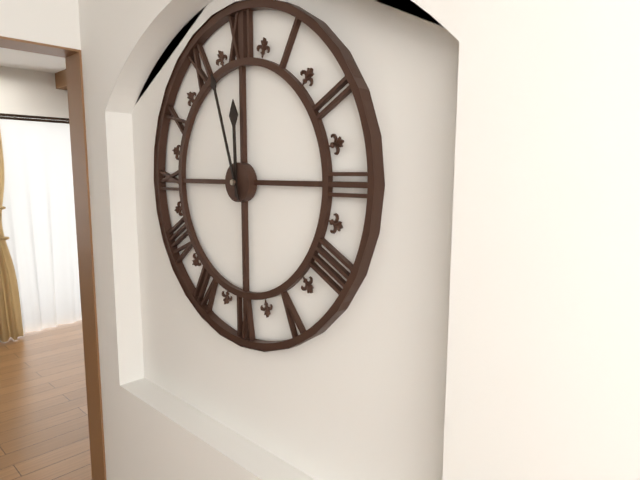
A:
11.57
